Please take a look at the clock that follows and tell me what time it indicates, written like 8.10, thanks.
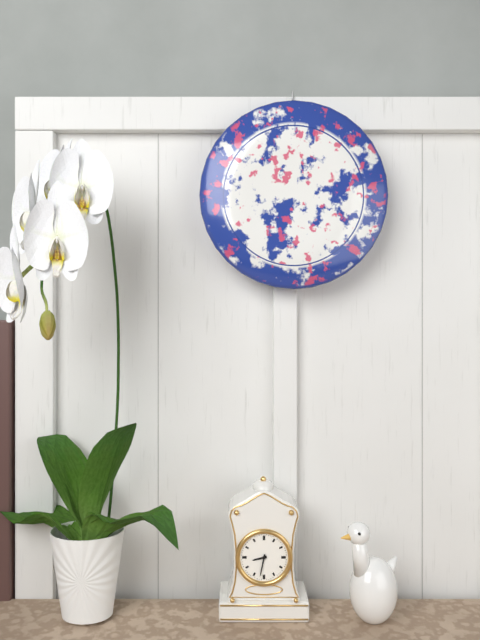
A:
8.32
